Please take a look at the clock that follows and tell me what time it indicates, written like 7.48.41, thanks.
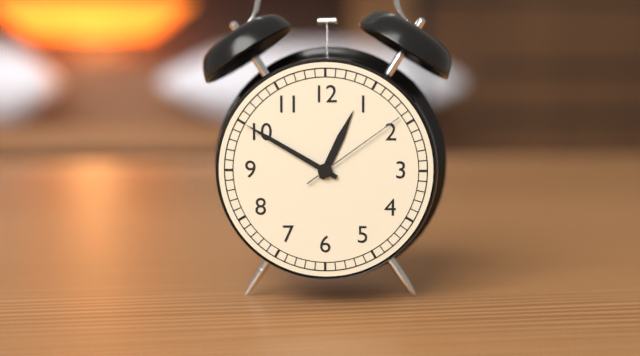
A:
12.50.09
